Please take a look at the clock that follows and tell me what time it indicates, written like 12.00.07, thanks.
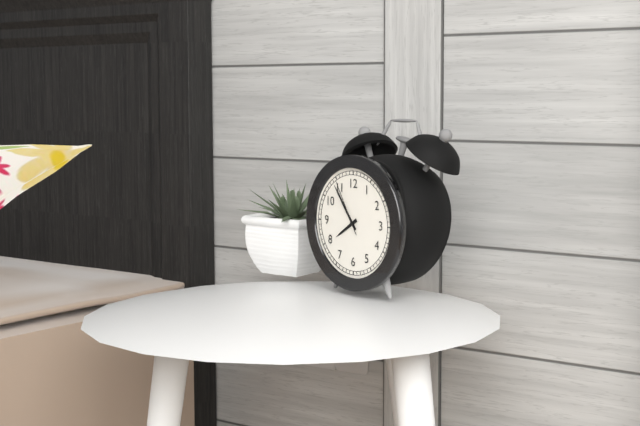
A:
7.54.55
